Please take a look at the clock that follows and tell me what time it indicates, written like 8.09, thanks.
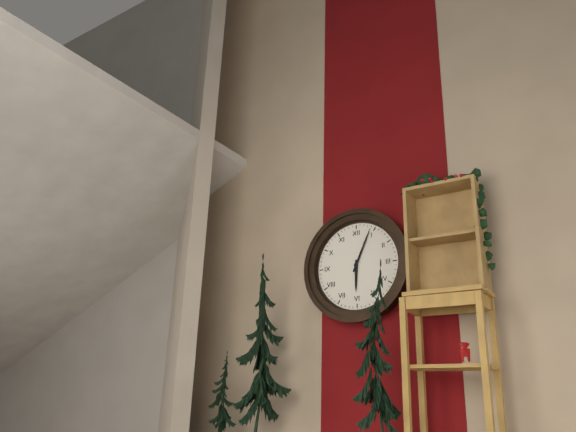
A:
6.04
